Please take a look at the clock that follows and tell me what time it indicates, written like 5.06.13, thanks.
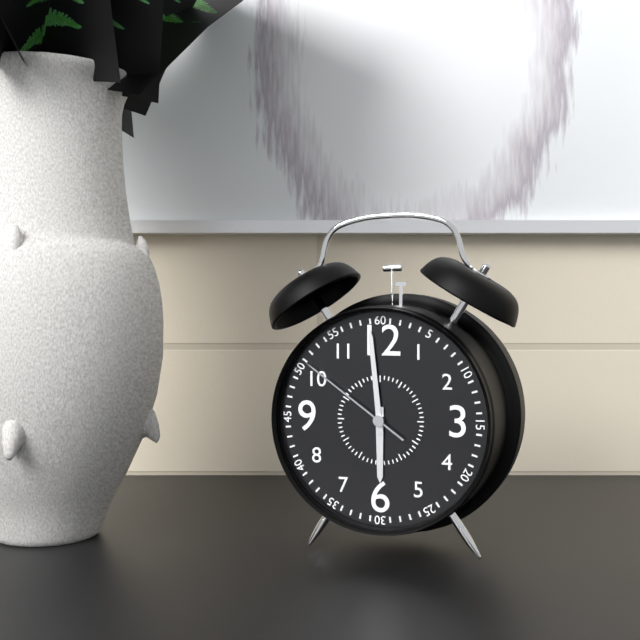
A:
5.59.51
